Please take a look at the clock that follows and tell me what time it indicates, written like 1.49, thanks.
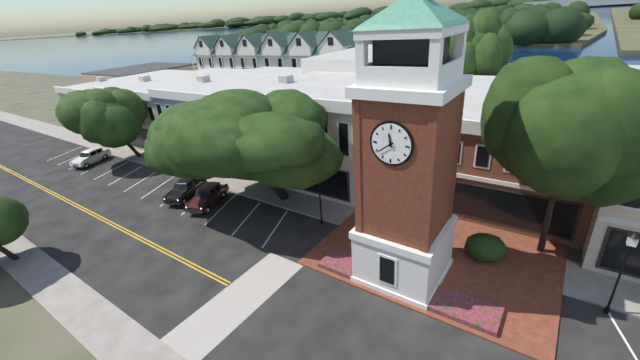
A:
11.39
